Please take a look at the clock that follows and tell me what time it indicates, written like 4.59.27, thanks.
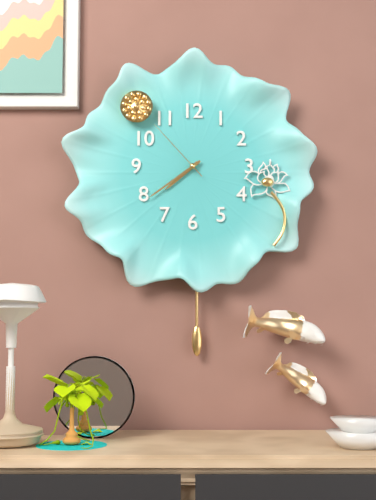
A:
7.39.53
